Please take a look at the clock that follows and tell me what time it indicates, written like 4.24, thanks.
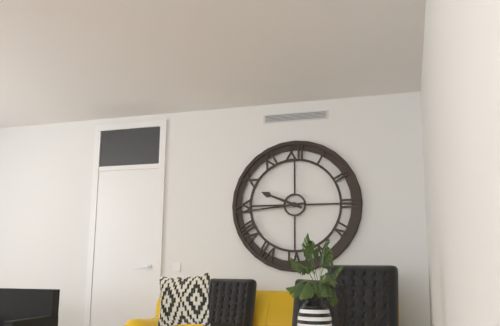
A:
9.44
